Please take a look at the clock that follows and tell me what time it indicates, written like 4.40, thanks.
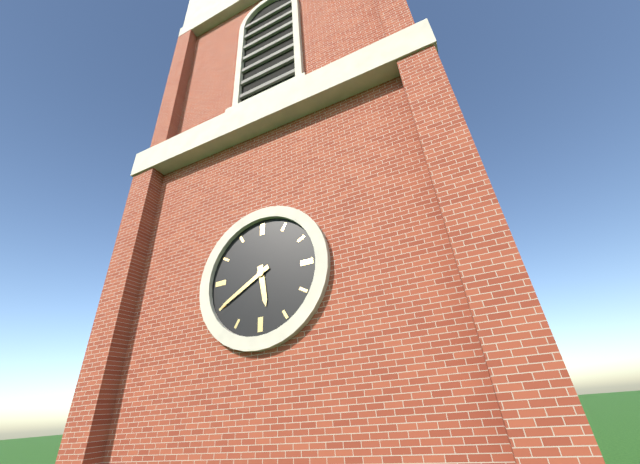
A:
5.40
